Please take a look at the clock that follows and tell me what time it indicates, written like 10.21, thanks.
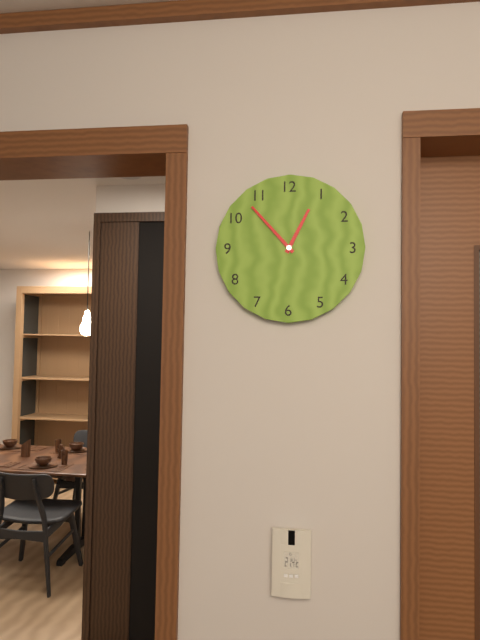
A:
12.53
